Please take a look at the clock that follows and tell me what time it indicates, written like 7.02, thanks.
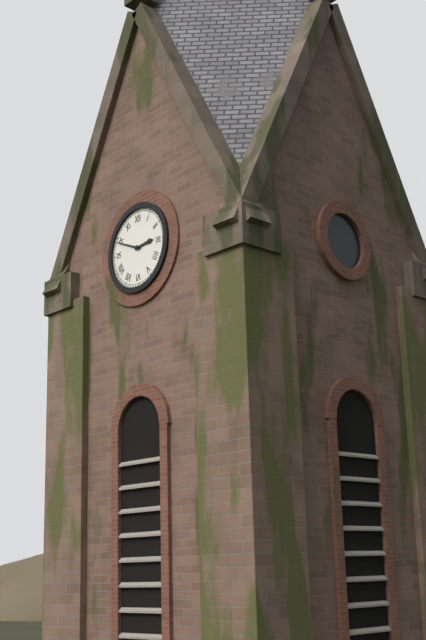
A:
2.49
